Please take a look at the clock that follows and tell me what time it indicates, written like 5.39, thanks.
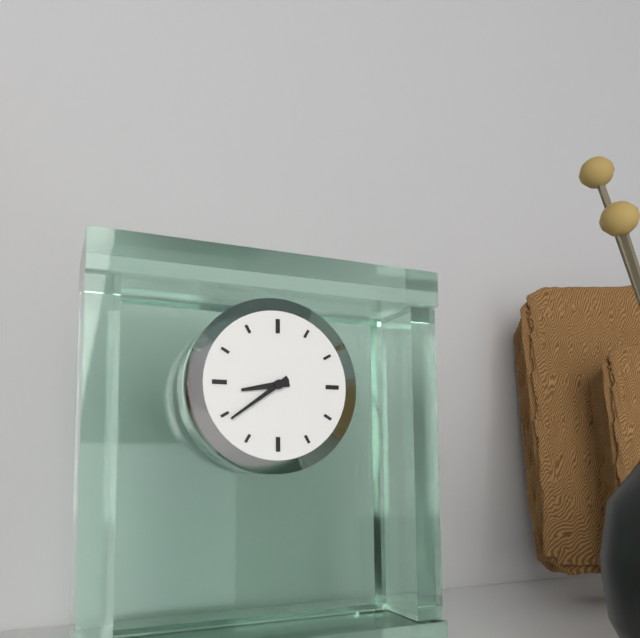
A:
8.39
